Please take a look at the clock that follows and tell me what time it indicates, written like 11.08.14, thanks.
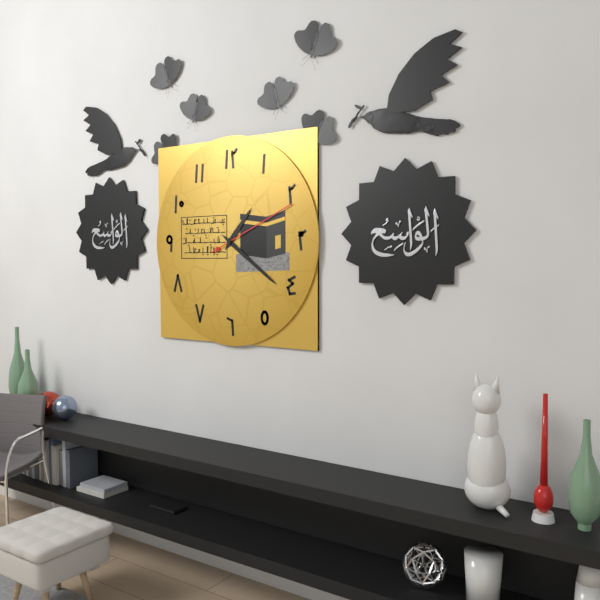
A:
1.21.11
